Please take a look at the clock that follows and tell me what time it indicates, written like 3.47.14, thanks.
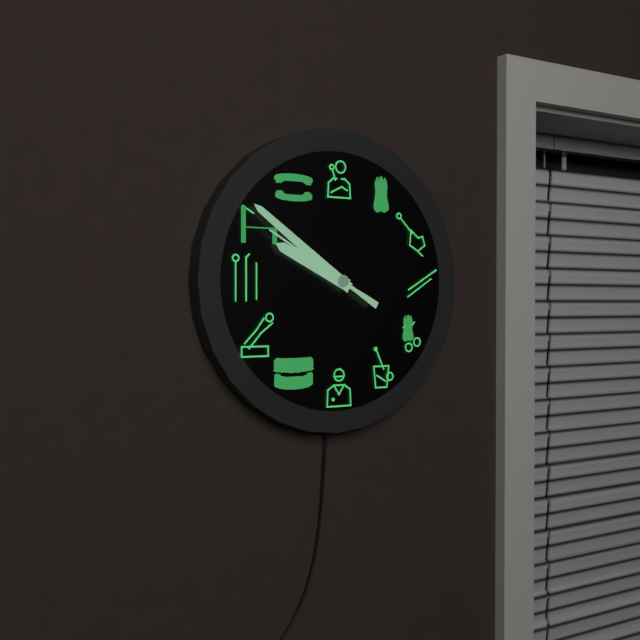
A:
9.51.50
